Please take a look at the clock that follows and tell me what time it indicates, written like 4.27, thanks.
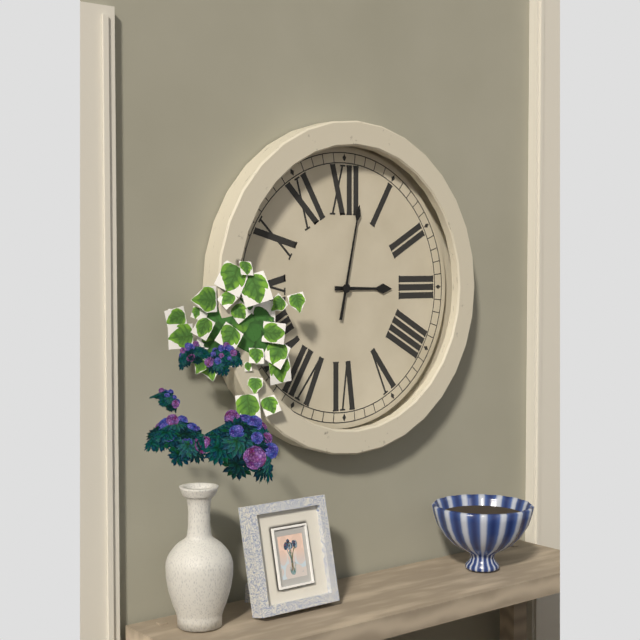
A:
3.02
